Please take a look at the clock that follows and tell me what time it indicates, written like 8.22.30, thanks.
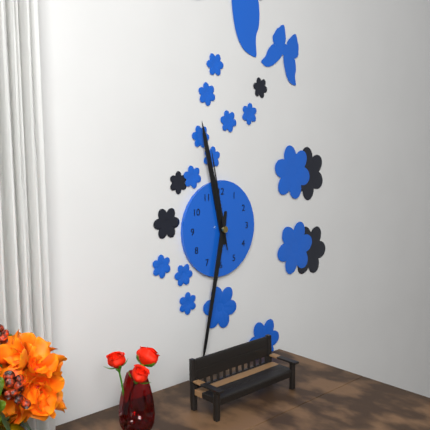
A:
11.32.58
